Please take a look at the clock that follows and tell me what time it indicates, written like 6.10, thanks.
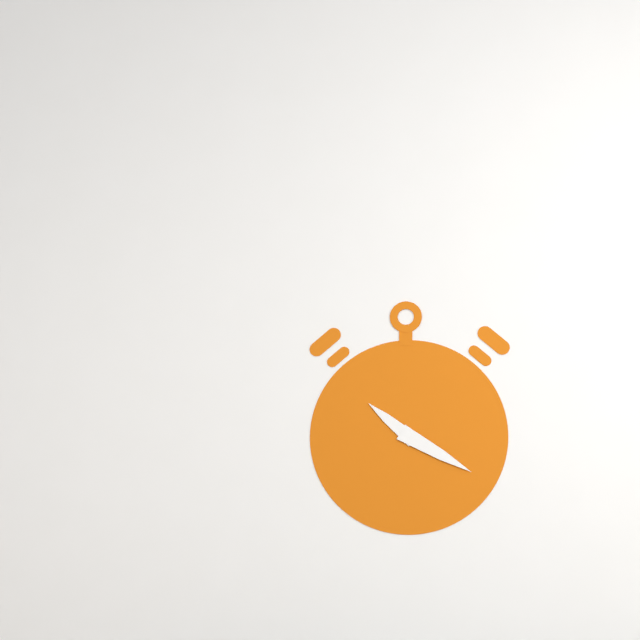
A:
10.20
